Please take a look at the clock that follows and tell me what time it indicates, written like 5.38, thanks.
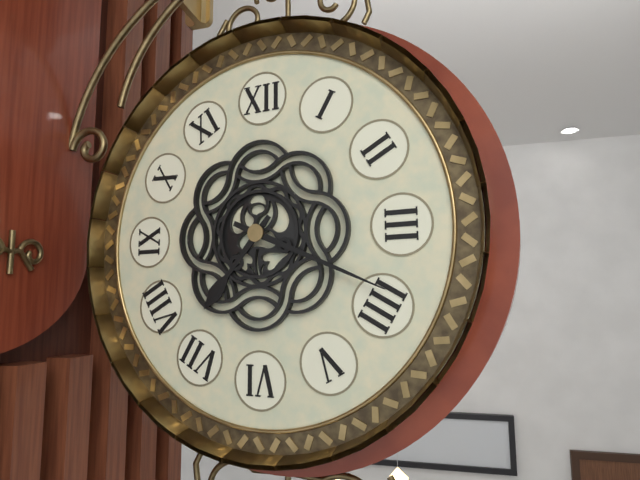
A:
7.19
